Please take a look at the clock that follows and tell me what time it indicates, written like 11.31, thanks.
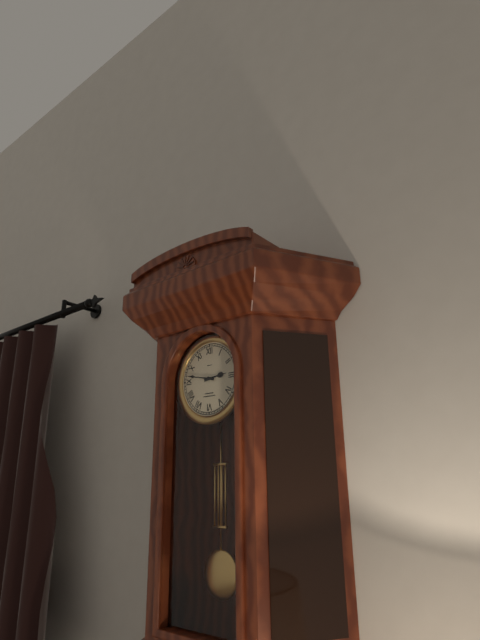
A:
2.47
